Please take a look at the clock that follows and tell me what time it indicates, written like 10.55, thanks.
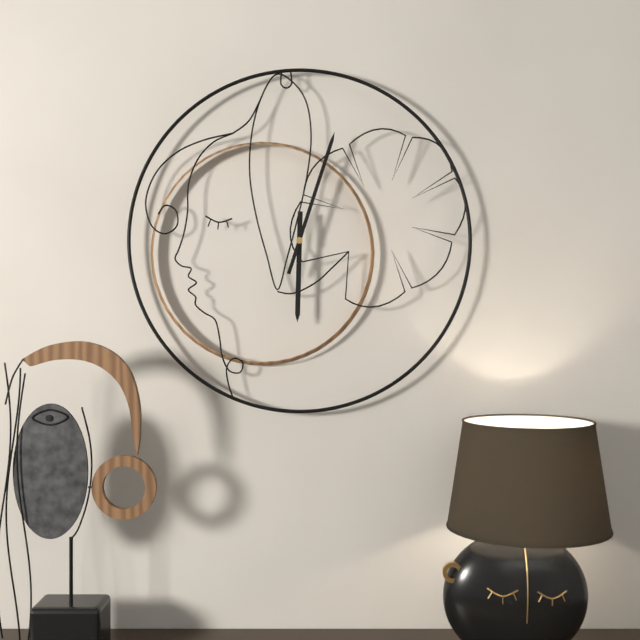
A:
6.03
